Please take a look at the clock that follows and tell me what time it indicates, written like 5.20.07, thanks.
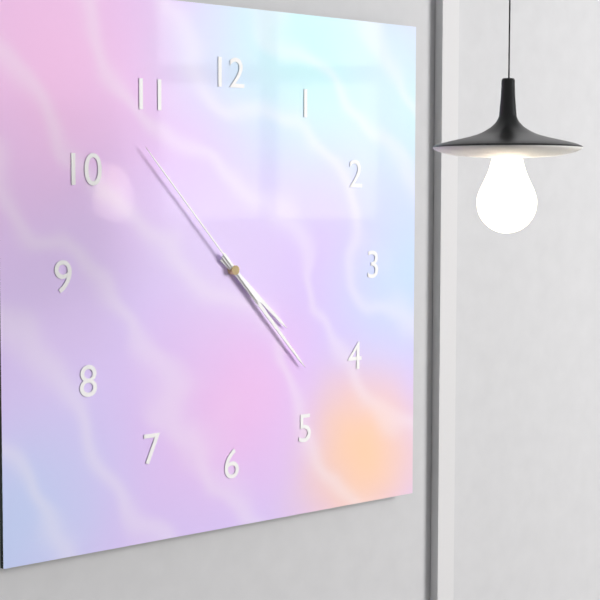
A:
4.23.53
